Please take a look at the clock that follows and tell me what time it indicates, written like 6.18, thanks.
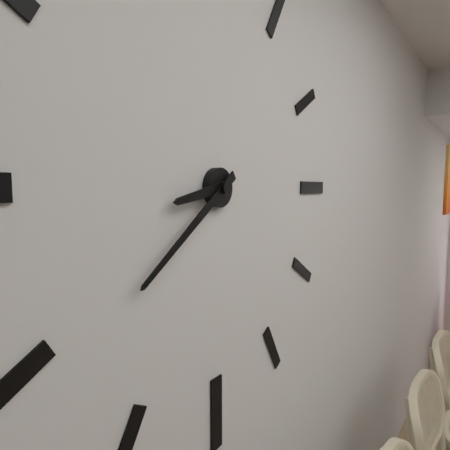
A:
8.39
